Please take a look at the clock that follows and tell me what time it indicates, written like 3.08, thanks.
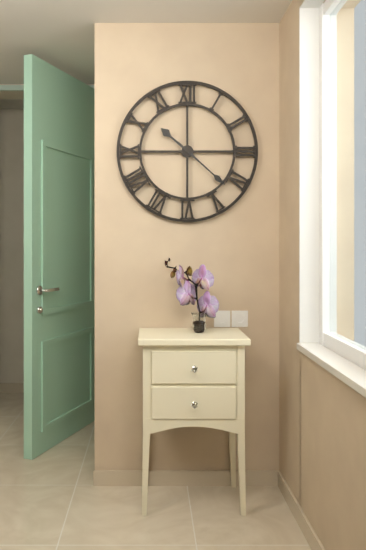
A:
10.22
